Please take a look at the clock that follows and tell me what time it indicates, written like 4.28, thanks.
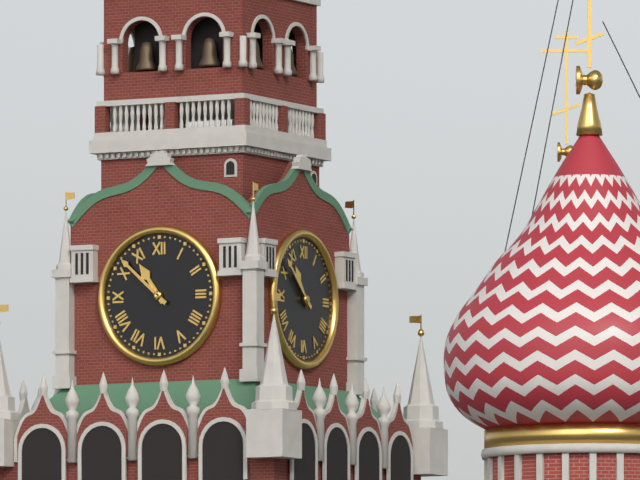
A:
10.52
